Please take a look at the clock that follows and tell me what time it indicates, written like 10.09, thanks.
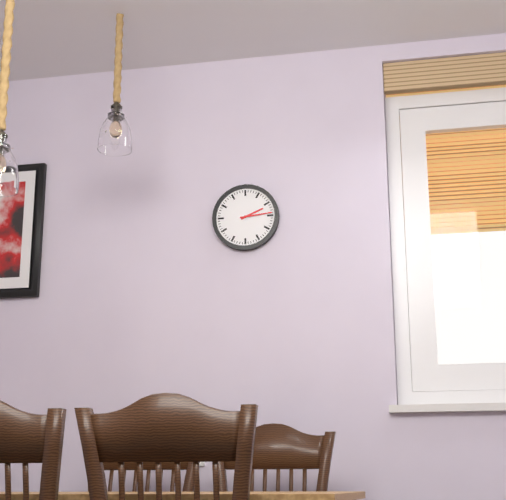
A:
2.14
